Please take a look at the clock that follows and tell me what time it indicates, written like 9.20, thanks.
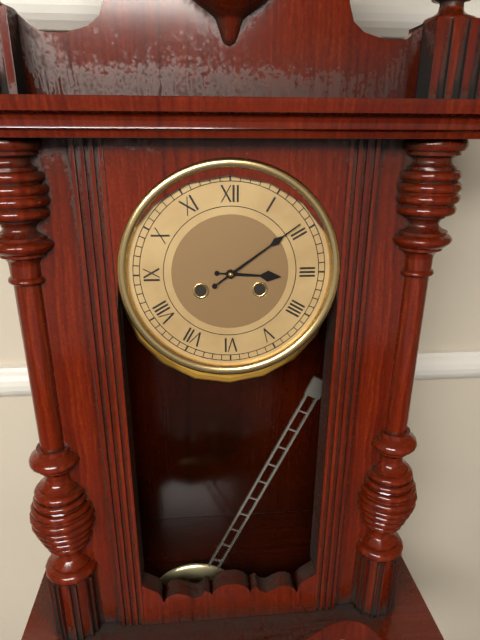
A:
3.09
